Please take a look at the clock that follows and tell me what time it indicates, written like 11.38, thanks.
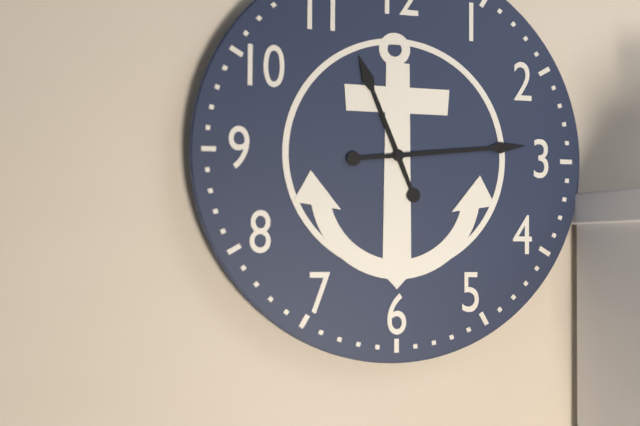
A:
11.14
